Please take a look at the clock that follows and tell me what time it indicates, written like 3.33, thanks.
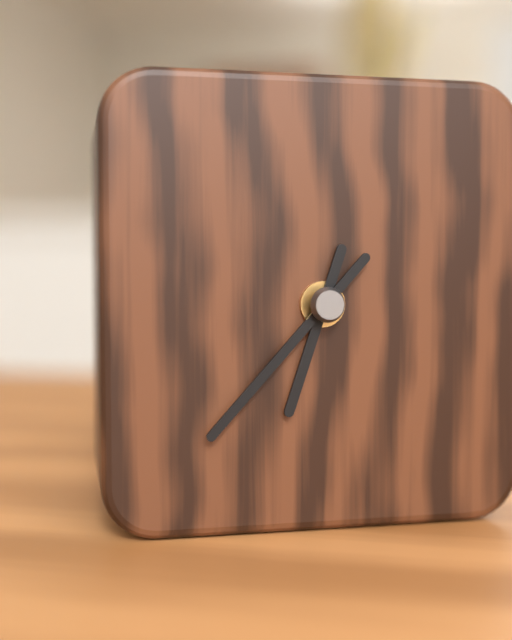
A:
6.37
